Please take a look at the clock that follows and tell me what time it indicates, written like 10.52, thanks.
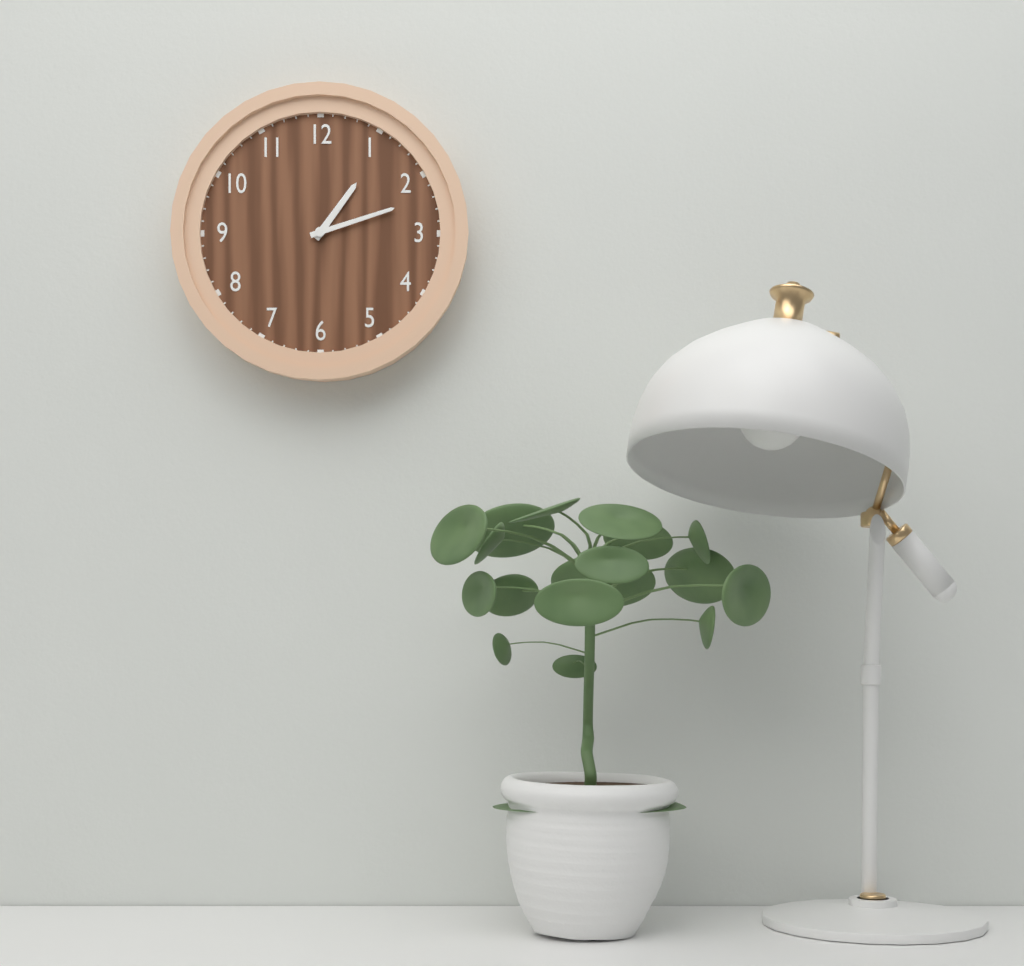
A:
1.12
